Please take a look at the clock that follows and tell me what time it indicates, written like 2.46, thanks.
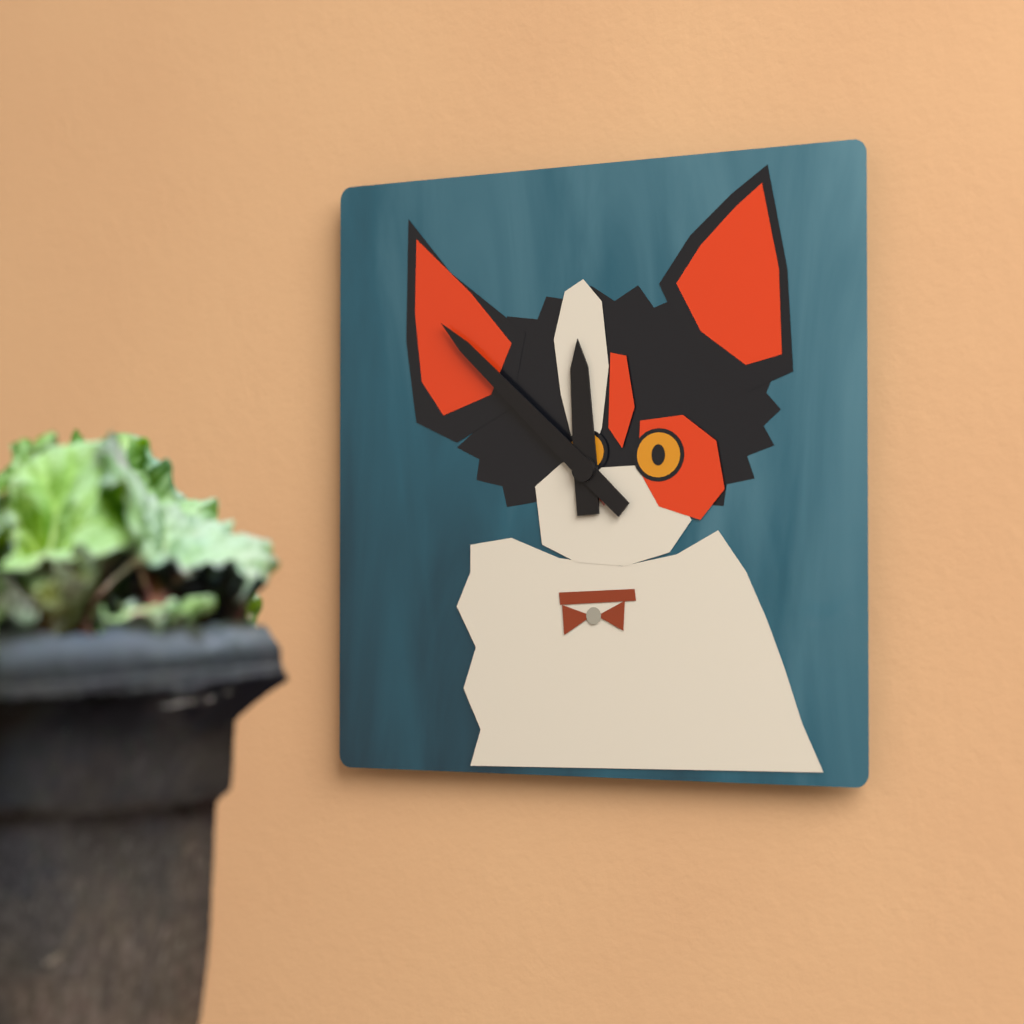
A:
11.52
